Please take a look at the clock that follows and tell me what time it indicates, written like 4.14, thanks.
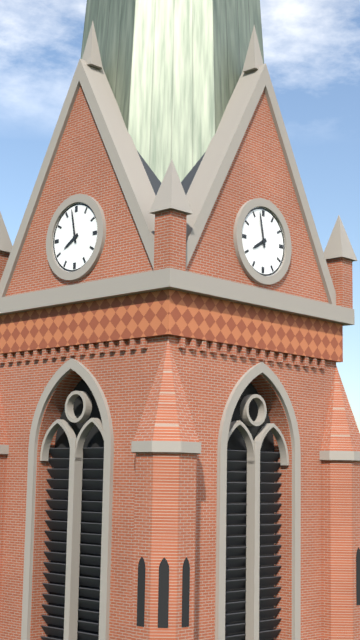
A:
7.58
